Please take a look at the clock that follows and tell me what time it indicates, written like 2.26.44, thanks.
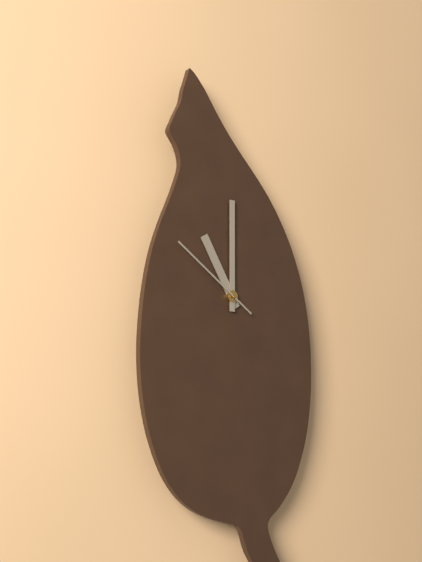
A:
11.00.51
